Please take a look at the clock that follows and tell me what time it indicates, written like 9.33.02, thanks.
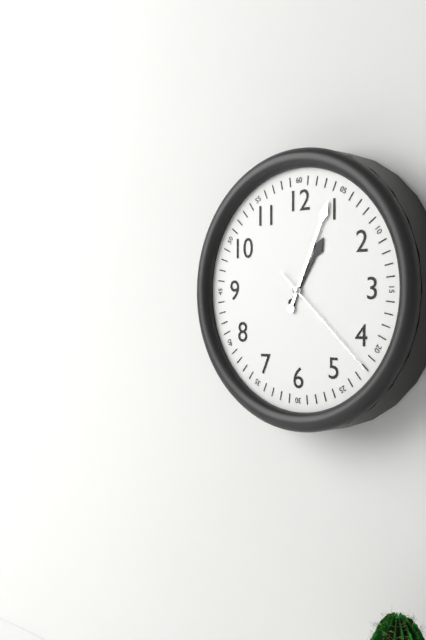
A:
1.04.22
